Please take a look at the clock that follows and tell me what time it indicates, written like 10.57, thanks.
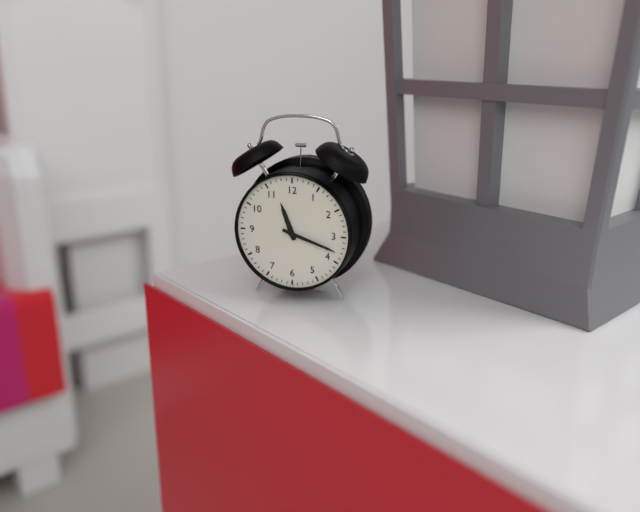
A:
11.18
